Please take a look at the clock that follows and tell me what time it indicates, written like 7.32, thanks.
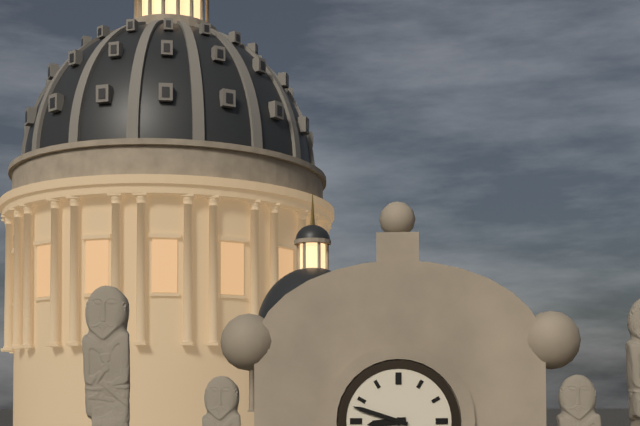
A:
8.48
